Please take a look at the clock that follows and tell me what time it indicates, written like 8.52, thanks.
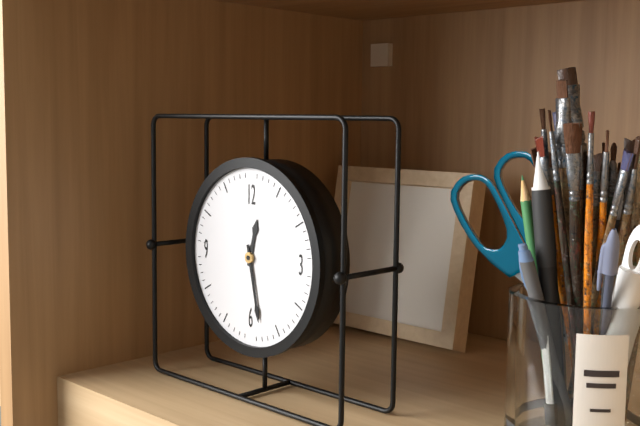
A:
12.28
